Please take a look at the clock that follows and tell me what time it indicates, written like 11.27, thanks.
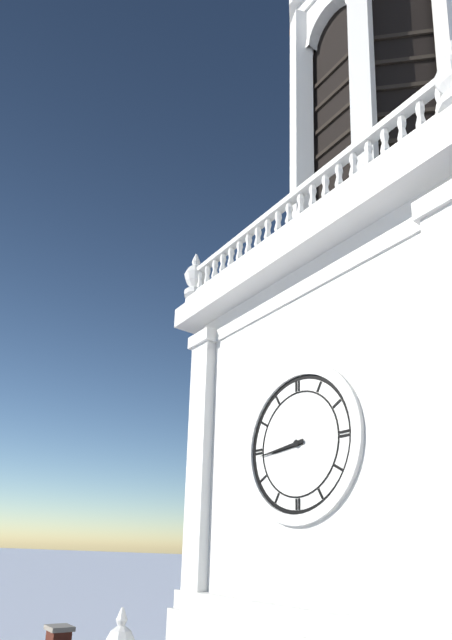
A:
8.44
